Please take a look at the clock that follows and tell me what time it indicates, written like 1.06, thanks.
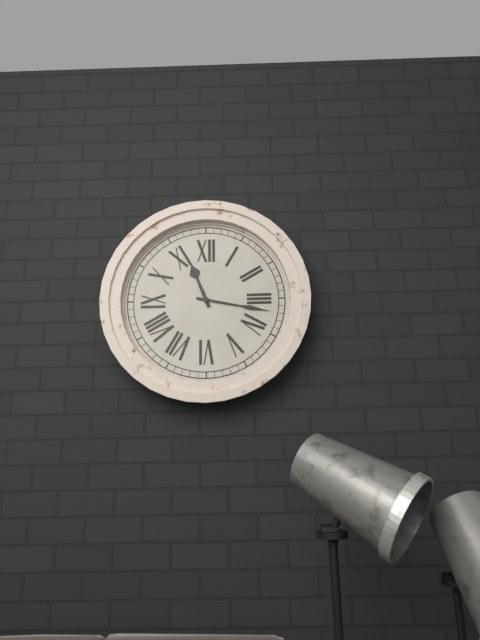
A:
11.17
